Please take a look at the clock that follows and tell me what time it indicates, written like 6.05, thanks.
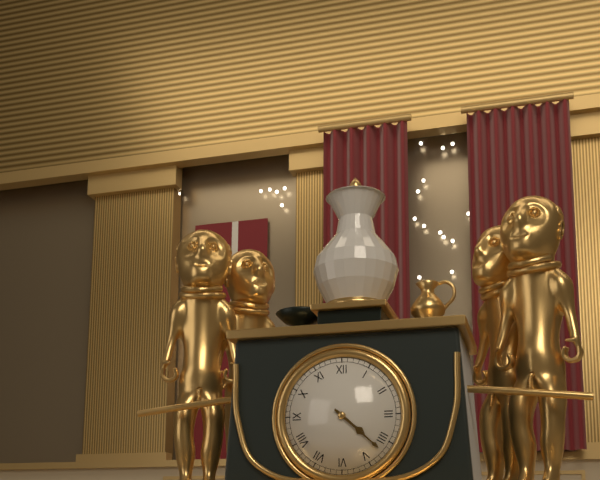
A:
4.22
